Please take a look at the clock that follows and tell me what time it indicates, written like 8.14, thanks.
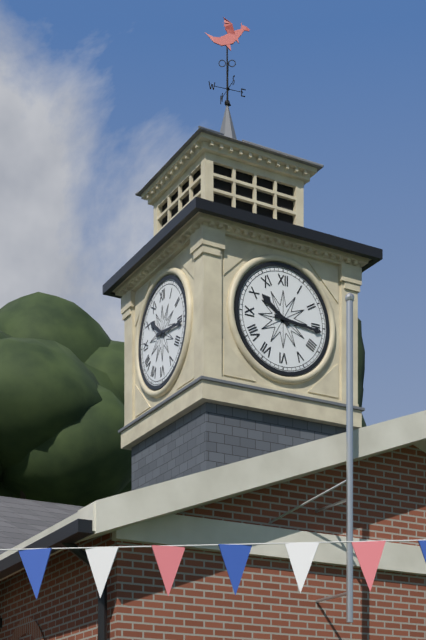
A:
10.16
